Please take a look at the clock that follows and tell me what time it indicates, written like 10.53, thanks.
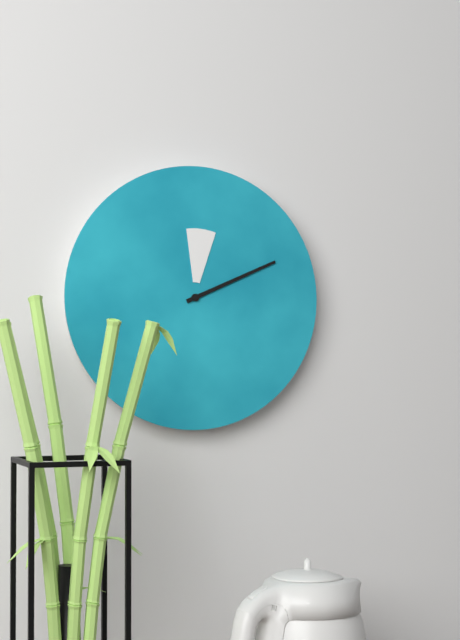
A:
12.11
